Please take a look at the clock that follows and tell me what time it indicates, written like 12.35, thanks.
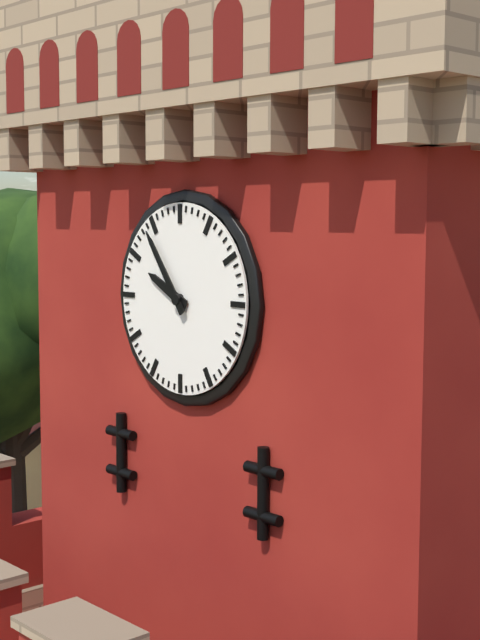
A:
9.54
